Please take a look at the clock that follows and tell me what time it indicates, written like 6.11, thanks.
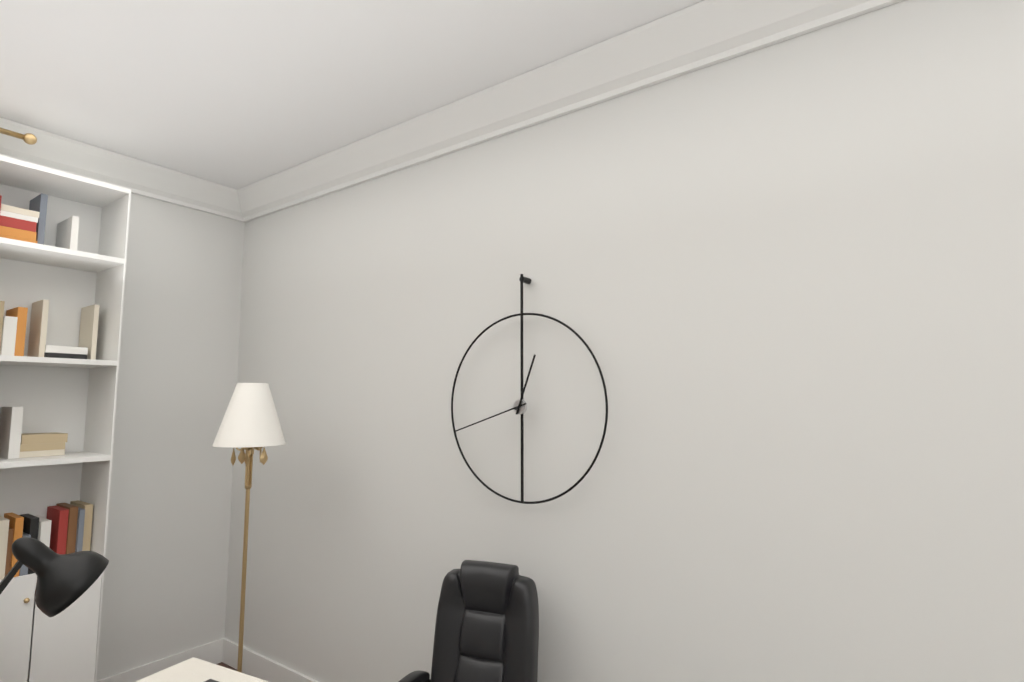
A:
12.42
